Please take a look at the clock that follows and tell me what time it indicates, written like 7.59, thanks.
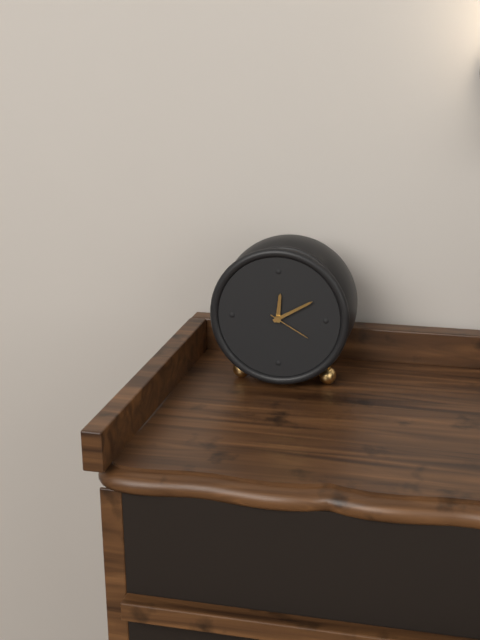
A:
12.10
